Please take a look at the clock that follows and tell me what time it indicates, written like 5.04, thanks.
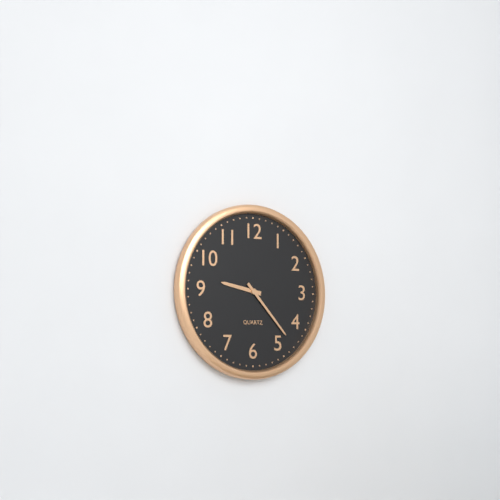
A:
9.23
